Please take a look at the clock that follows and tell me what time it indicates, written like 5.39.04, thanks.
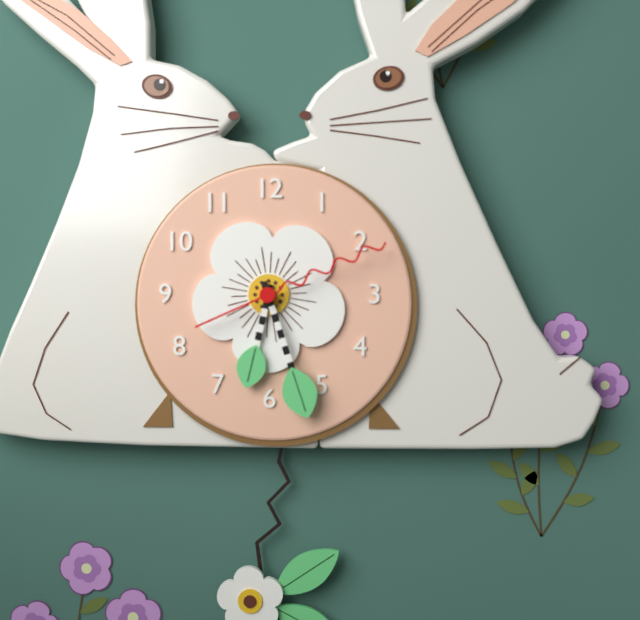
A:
6.27.11
